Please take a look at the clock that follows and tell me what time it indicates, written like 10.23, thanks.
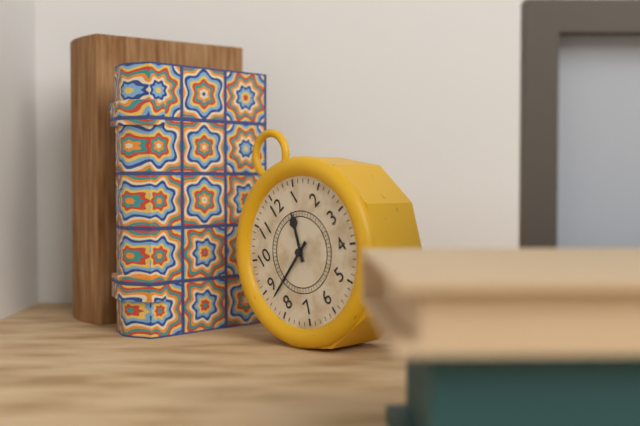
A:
12.43
